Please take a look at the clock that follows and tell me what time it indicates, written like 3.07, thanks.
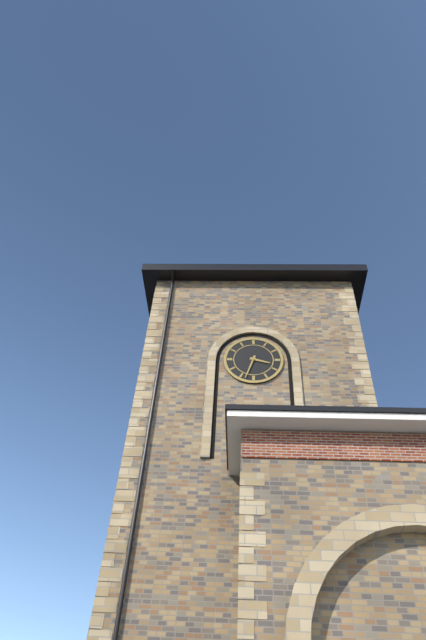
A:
3.33
